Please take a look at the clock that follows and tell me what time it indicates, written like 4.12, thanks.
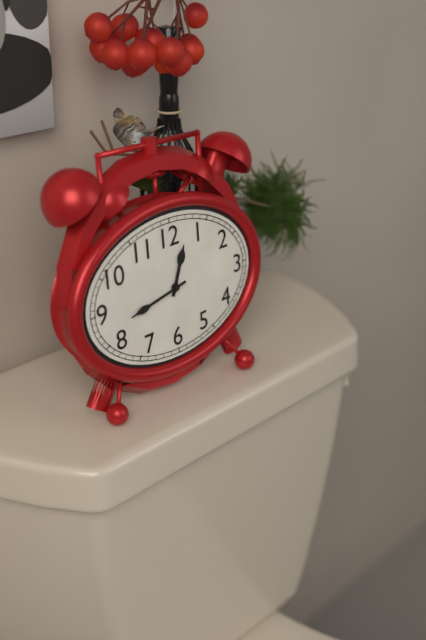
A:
12.43
